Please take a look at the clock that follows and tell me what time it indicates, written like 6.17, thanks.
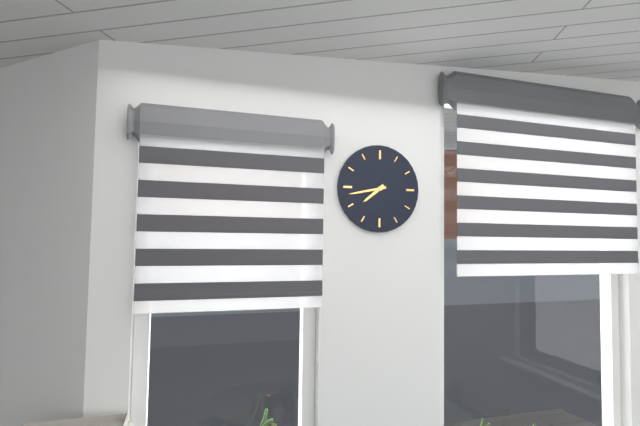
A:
7.43
